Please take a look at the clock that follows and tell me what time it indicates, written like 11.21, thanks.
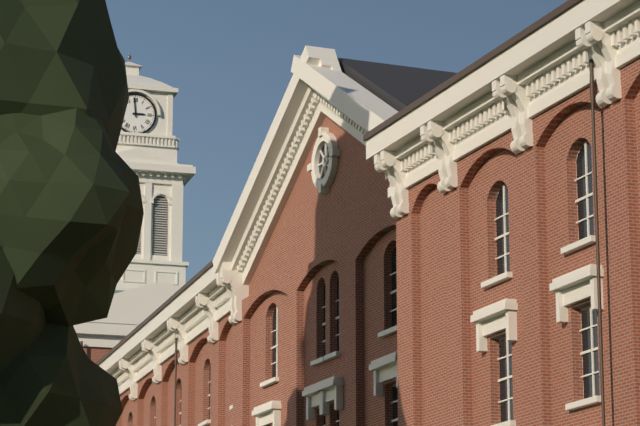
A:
2.59
